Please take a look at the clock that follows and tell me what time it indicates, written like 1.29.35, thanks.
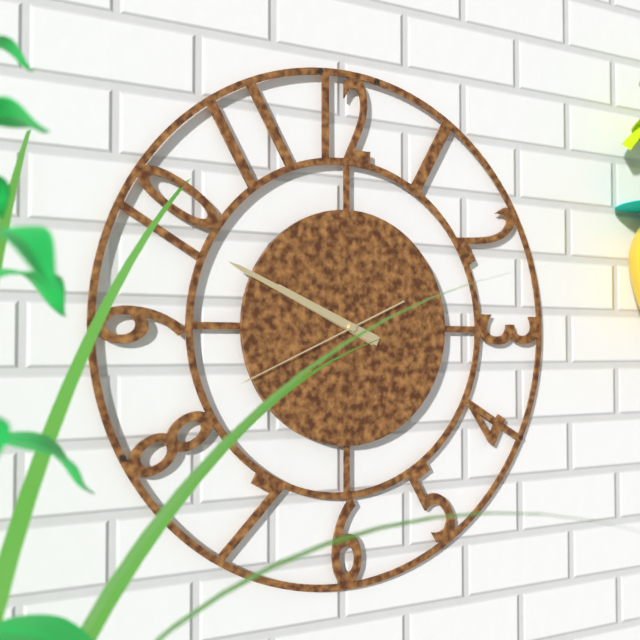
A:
9.49.41
